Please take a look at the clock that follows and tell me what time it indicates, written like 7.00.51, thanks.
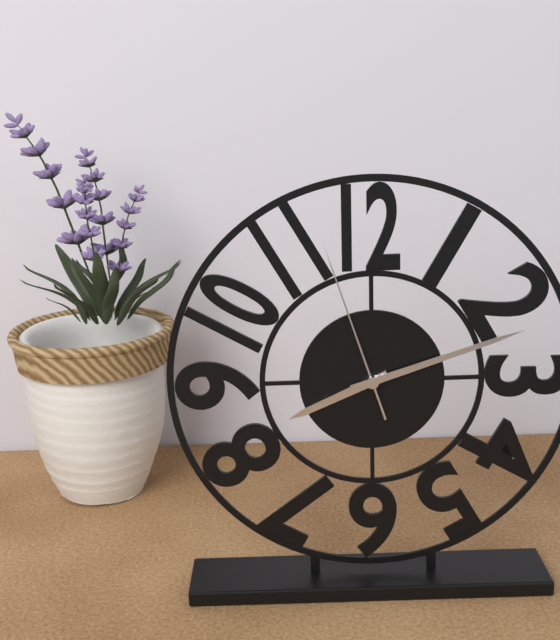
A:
8.12.57
